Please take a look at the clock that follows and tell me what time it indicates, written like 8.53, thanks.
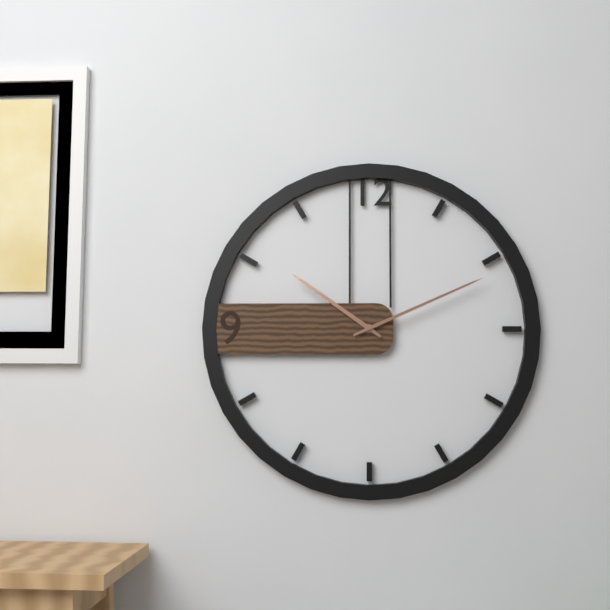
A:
10.11
